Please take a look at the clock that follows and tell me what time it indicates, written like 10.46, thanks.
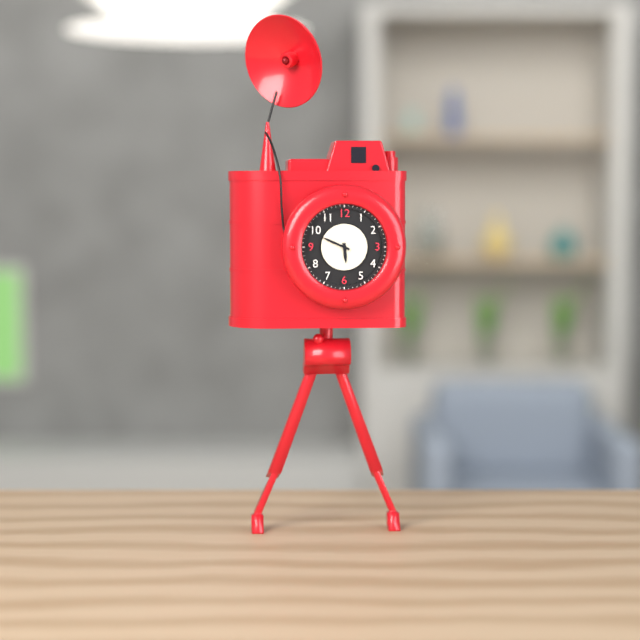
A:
5.49
